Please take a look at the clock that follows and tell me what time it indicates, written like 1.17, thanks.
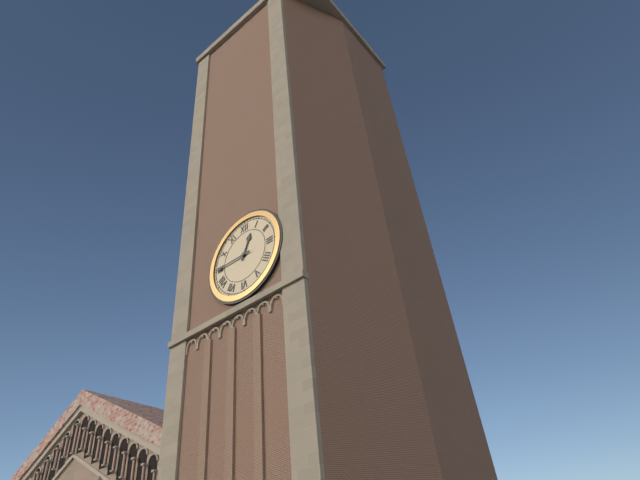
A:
12.45
